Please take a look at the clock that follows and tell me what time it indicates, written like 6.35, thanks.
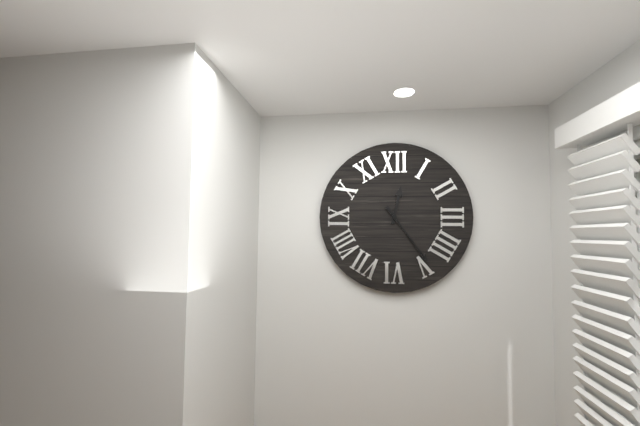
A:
12.24
